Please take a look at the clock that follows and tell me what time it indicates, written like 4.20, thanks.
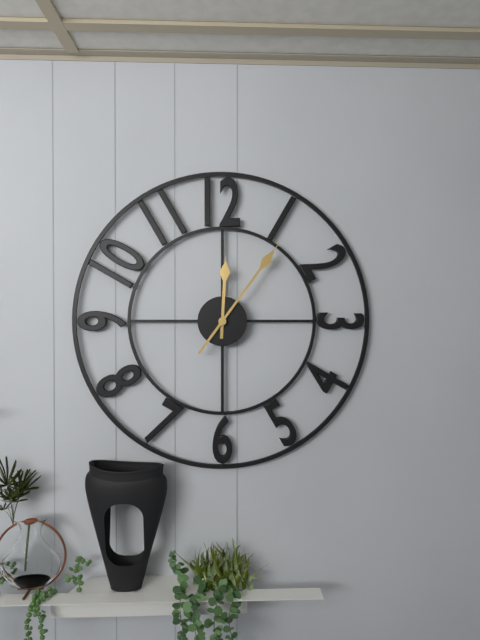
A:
12.06
